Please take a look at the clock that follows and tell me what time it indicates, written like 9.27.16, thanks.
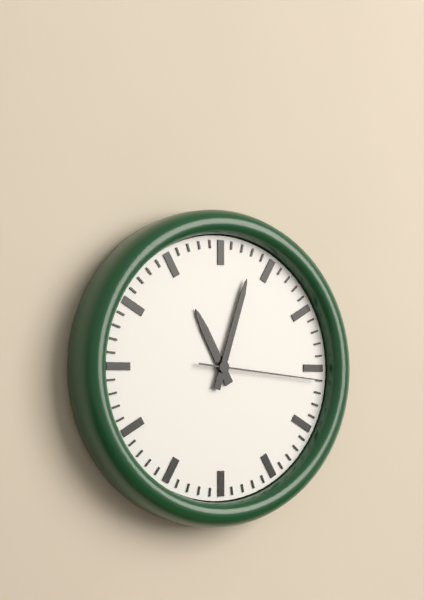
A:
11.03.16
